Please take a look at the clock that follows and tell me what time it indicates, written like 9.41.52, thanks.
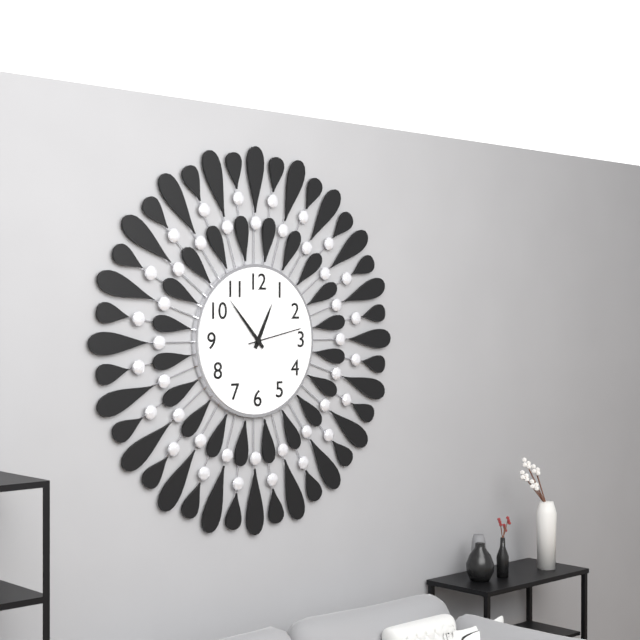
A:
12.53.13
